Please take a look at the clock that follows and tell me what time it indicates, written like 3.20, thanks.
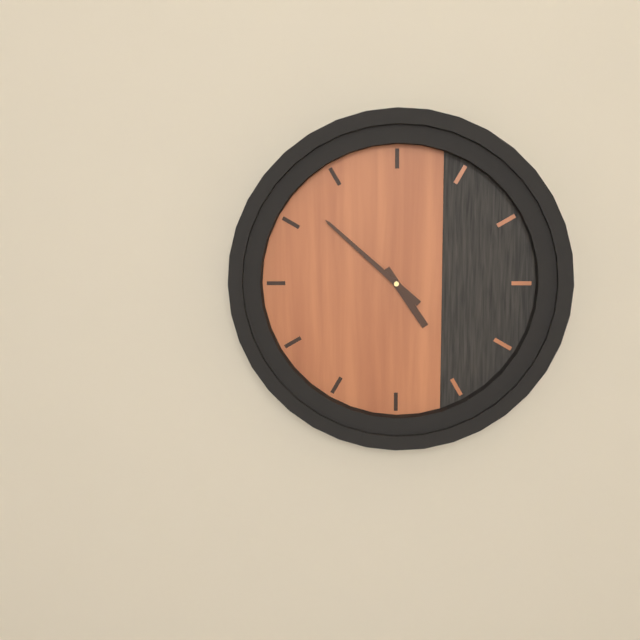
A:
4.52
